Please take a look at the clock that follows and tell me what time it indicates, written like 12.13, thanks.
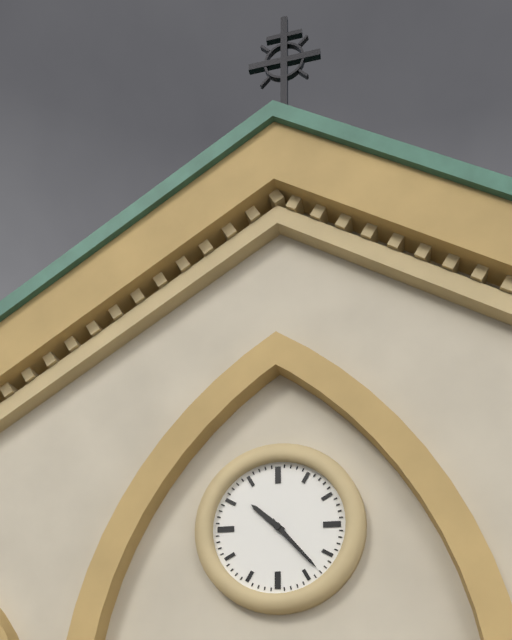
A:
10.23
